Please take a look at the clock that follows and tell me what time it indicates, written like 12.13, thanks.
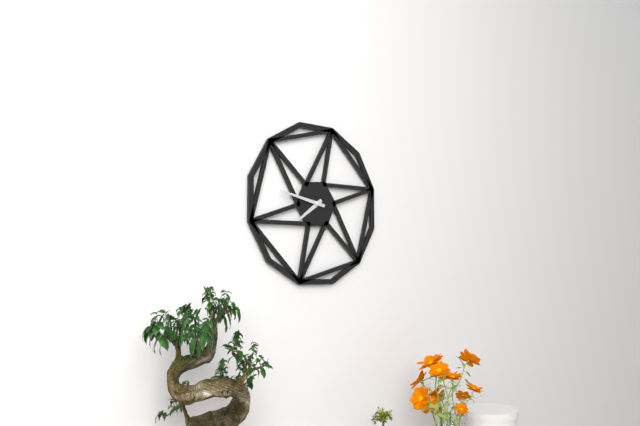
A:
7.47
